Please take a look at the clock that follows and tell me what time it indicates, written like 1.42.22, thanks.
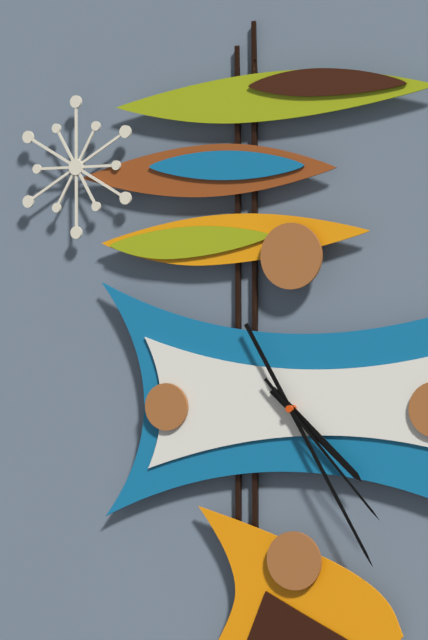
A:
4.25.23
